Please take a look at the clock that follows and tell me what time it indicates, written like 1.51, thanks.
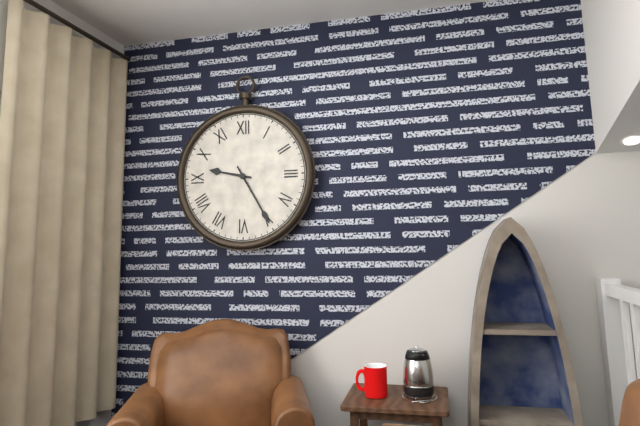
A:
9.25
